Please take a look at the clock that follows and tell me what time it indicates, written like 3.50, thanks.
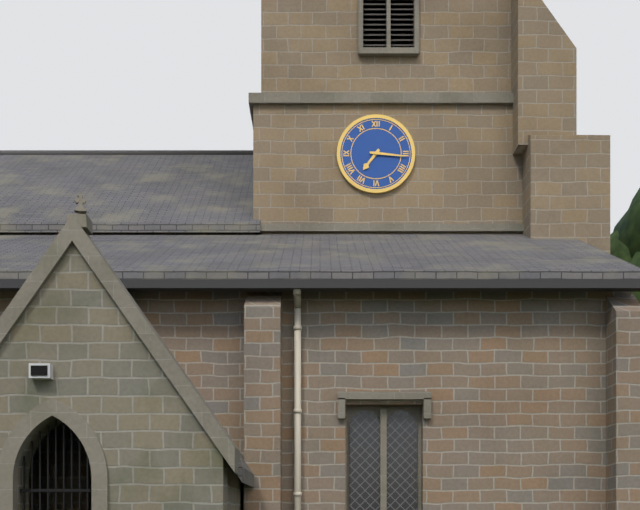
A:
7.16
